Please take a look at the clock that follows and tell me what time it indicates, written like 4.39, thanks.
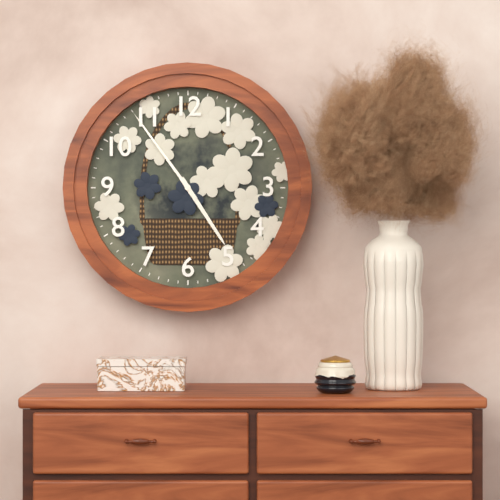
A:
4.54
